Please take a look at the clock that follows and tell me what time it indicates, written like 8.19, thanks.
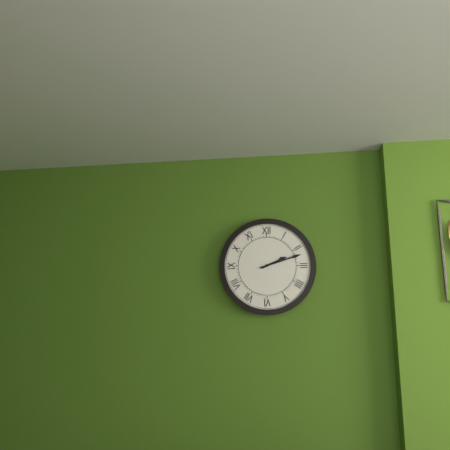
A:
2.12
